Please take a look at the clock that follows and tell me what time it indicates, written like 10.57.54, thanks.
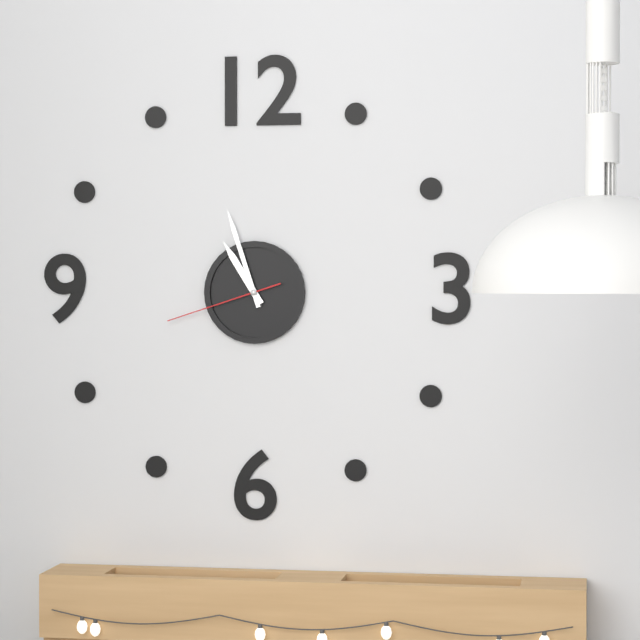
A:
10.57.42
